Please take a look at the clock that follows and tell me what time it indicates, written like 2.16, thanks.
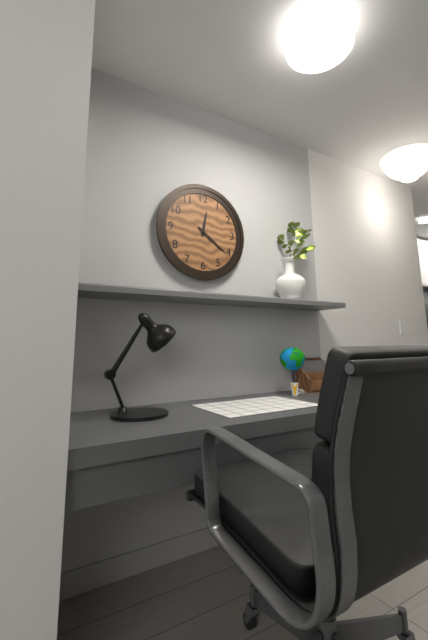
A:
12.21
